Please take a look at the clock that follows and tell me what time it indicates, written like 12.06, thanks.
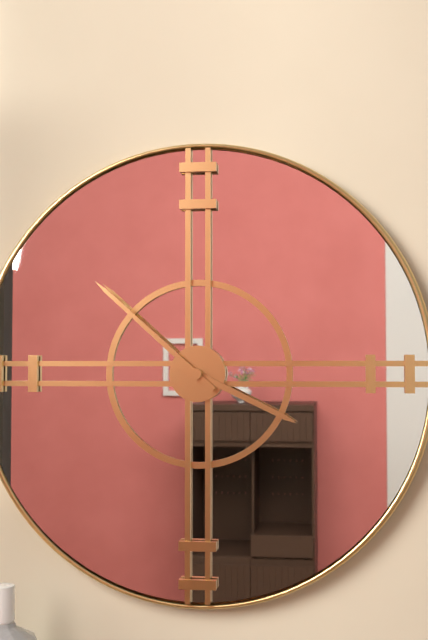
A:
3.52
